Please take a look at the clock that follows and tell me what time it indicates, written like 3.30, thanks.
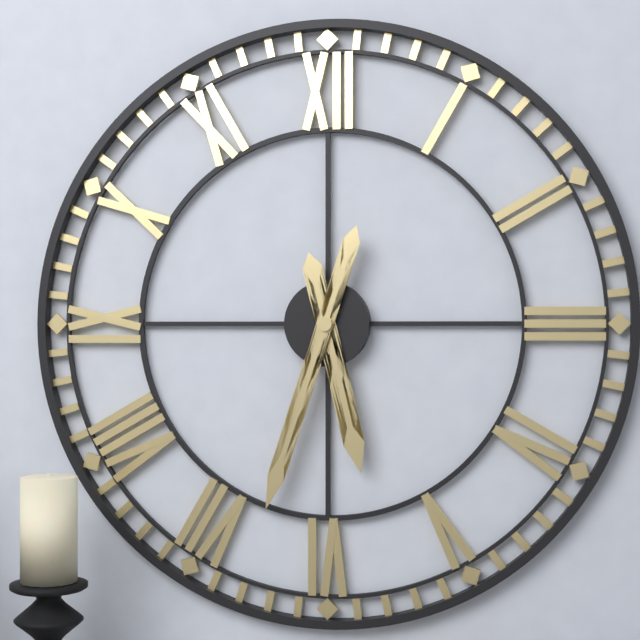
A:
5.33
